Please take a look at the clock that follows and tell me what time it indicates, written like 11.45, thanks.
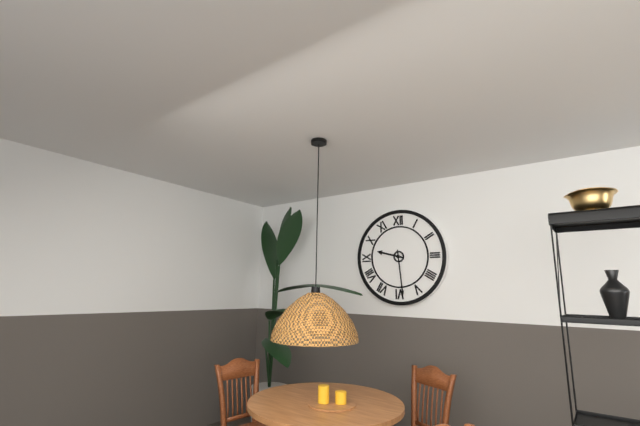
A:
9.29
